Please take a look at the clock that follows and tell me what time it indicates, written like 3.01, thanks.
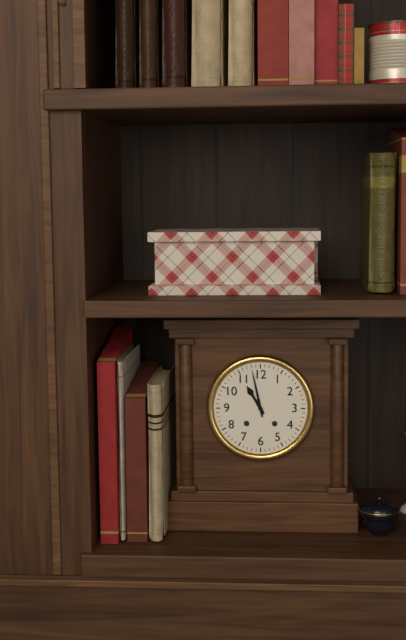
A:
10.58
